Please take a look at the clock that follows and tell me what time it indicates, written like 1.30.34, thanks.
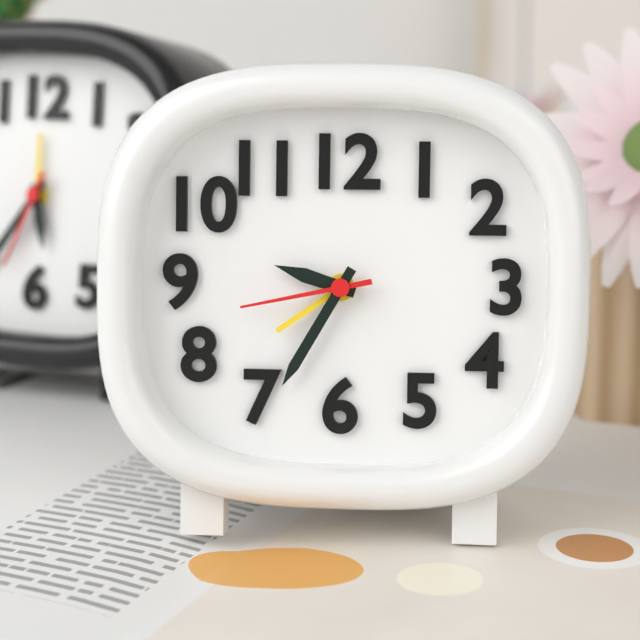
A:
9.35.43
